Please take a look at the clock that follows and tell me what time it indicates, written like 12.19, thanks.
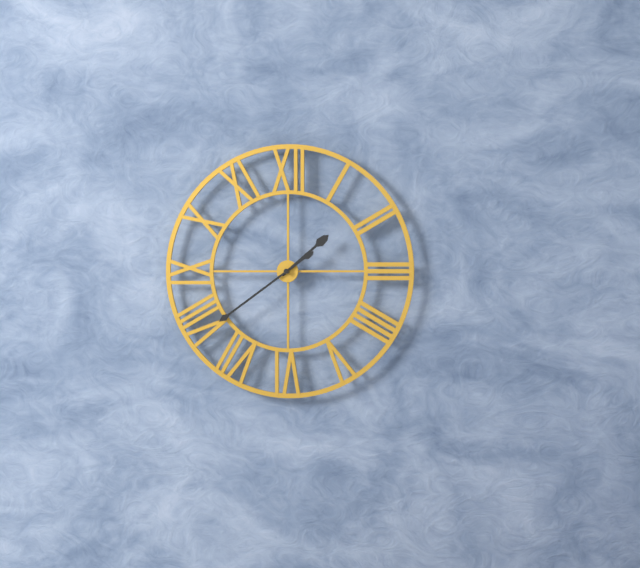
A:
1.39
